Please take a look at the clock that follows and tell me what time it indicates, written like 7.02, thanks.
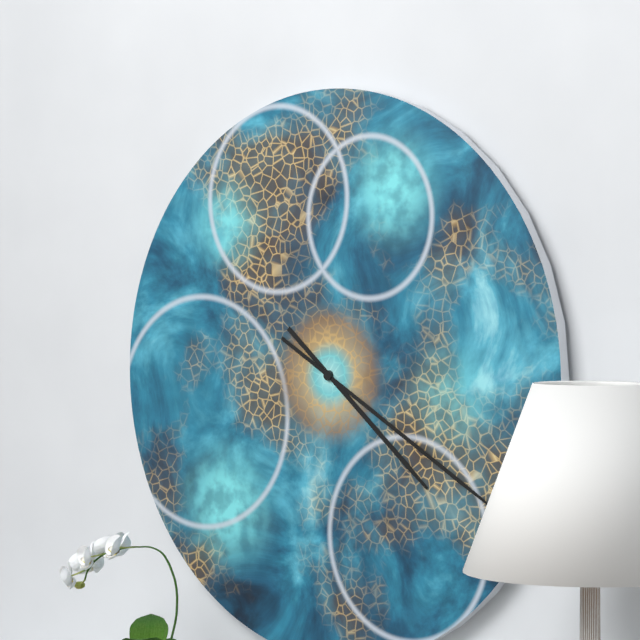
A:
4.20
